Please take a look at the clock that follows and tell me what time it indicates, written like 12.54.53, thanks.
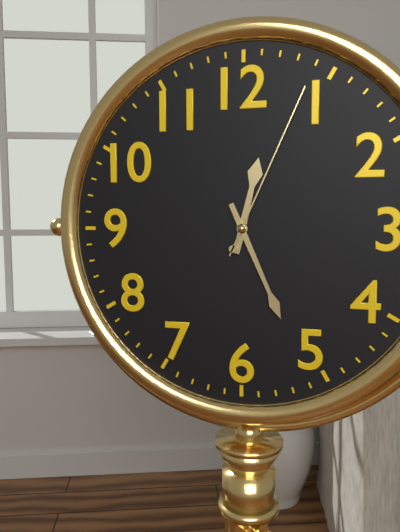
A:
12.26.04
